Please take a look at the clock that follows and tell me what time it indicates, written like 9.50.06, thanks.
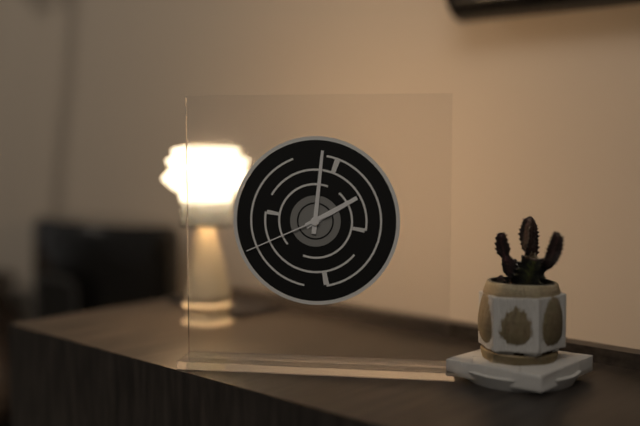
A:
2.01.41
